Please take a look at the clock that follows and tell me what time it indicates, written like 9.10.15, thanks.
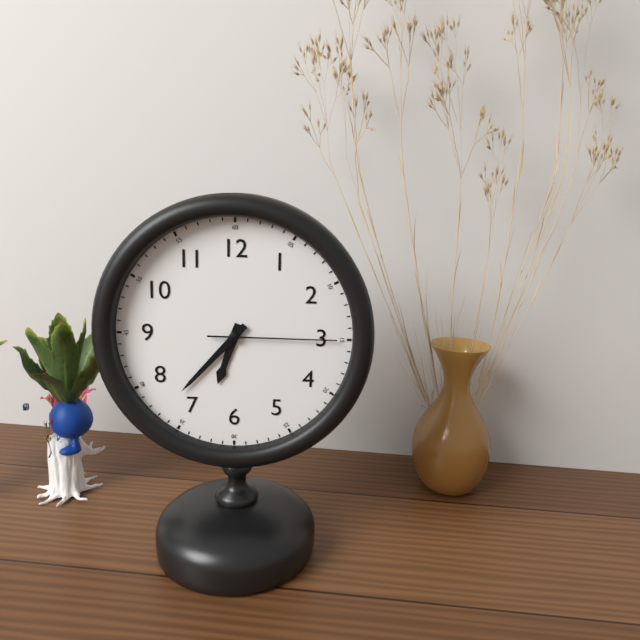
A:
6.37.15
